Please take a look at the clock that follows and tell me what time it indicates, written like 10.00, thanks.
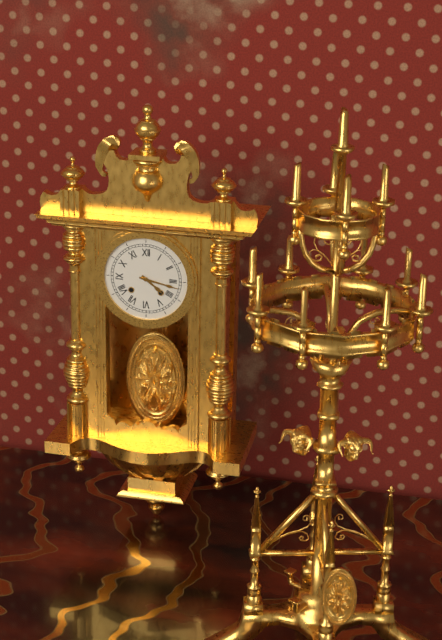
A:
4.17
